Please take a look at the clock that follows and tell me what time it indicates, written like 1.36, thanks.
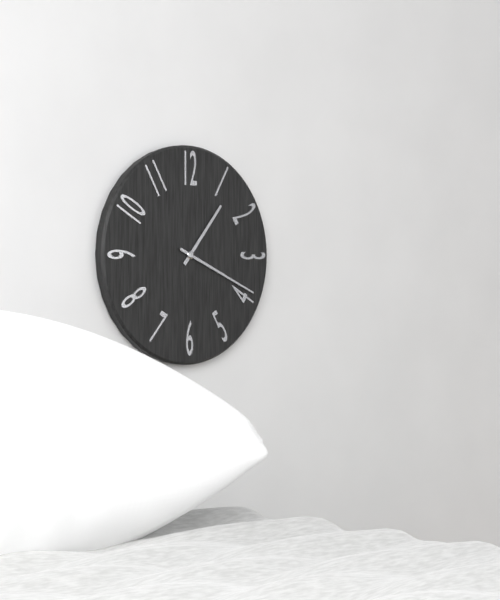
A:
1.19
